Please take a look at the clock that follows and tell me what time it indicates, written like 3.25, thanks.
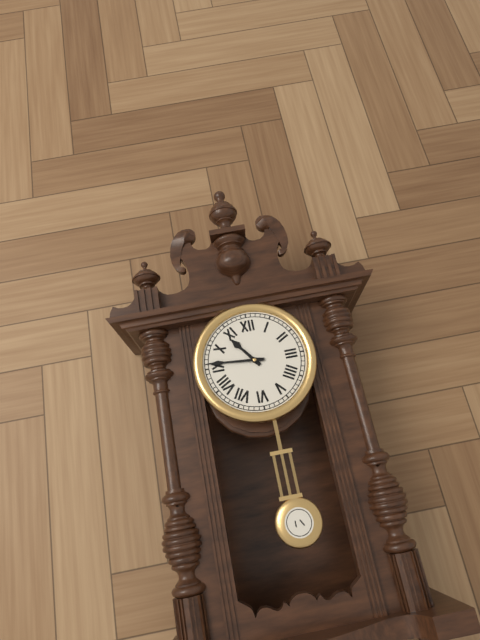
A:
10.46
